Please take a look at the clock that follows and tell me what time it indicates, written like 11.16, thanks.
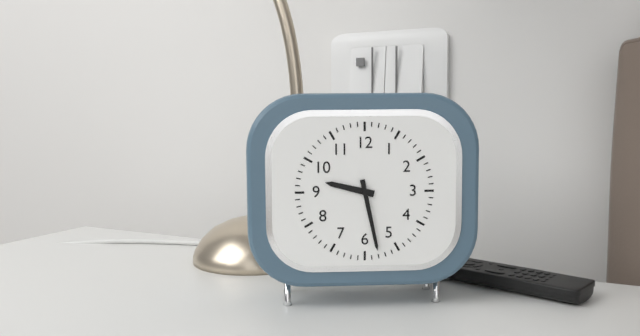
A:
9.28
